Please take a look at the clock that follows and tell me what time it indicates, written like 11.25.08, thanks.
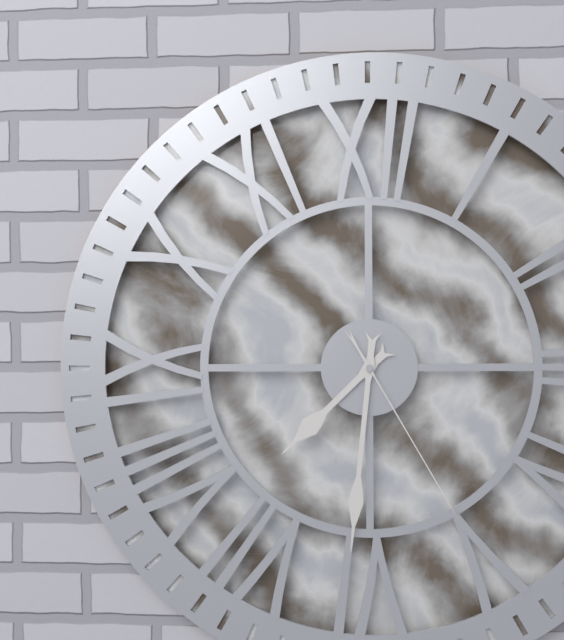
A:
7.31.25
